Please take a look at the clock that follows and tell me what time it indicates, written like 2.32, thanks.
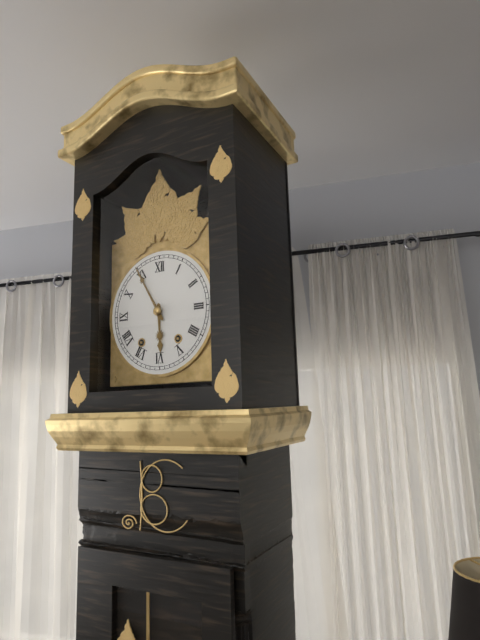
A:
5.55
